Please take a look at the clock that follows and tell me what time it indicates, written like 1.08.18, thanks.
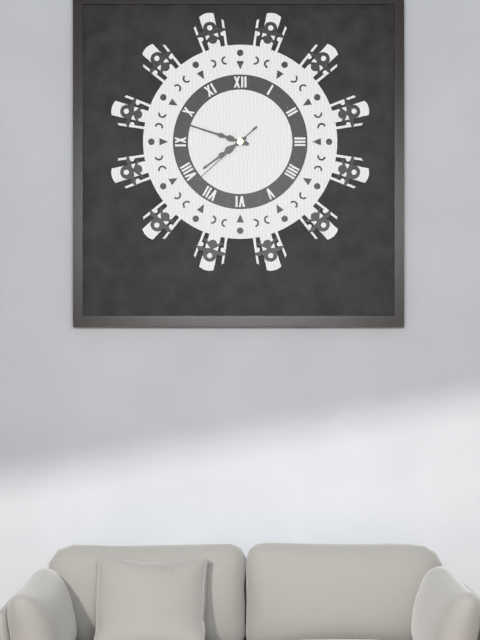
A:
7.48.38
